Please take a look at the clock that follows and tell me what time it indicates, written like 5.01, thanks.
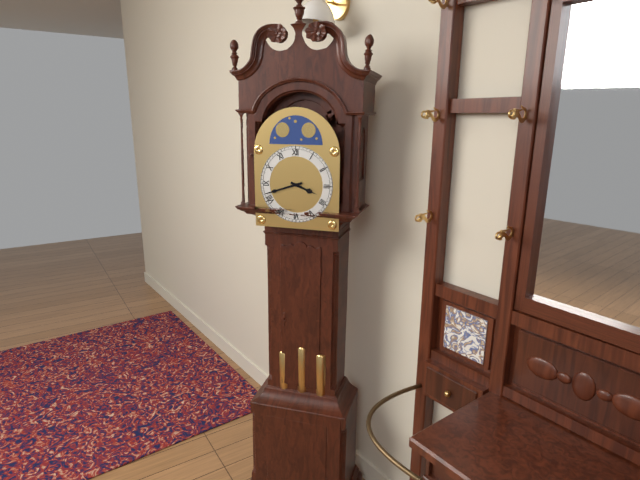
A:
3.42
